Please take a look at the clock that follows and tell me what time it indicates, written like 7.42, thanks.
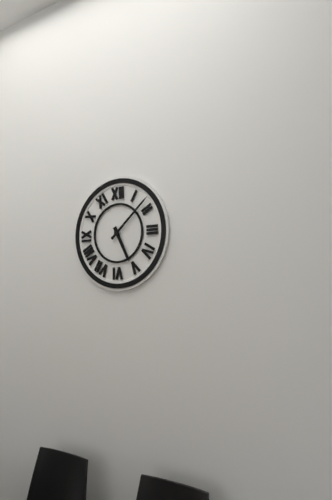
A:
5.08
